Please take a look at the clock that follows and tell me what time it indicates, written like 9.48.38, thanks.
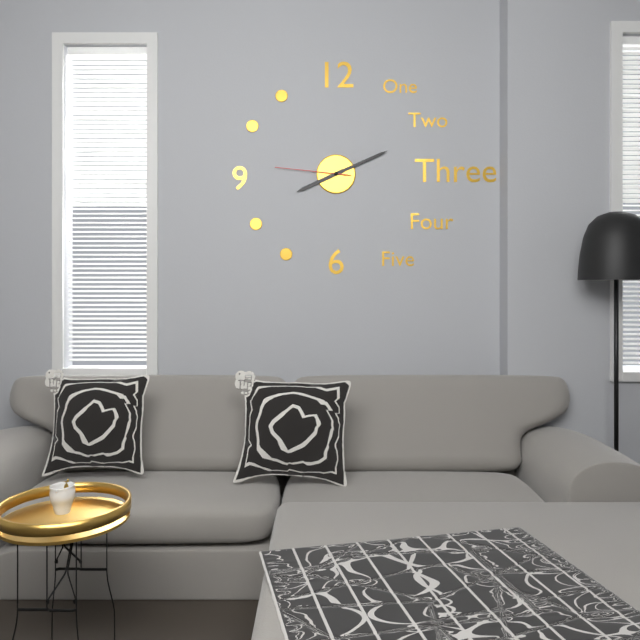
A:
8.11.46
